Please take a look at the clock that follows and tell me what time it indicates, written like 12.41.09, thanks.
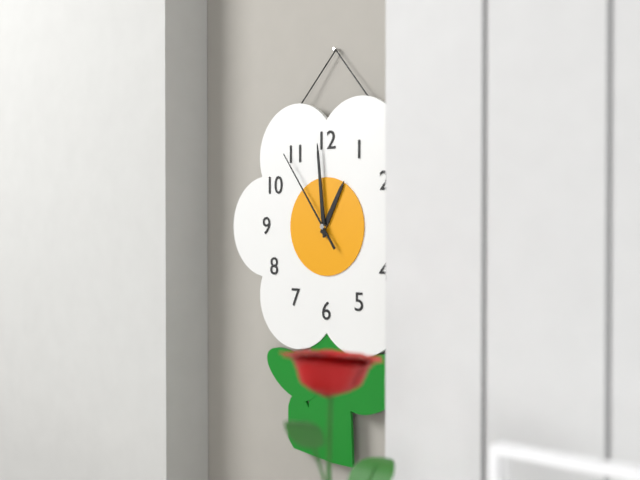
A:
12.59.54
